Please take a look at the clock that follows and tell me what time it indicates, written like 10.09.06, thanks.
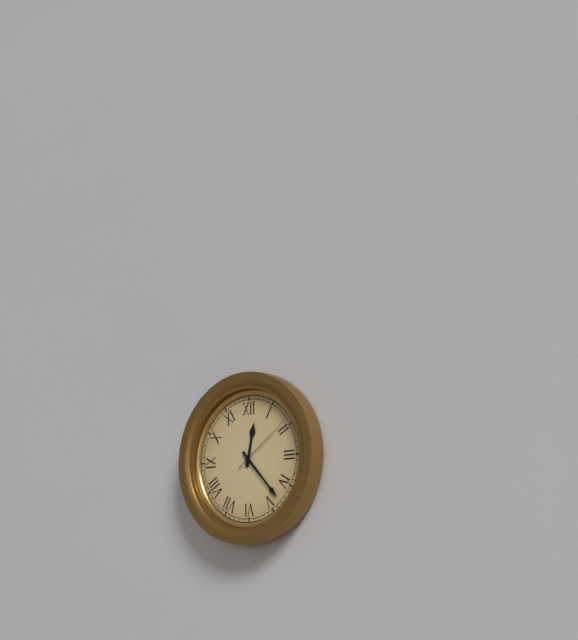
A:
12.23.09
